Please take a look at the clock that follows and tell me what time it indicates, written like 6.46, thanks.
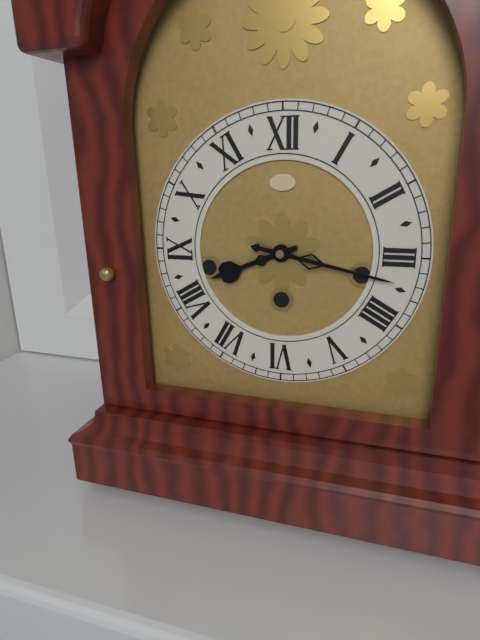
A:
8.17
